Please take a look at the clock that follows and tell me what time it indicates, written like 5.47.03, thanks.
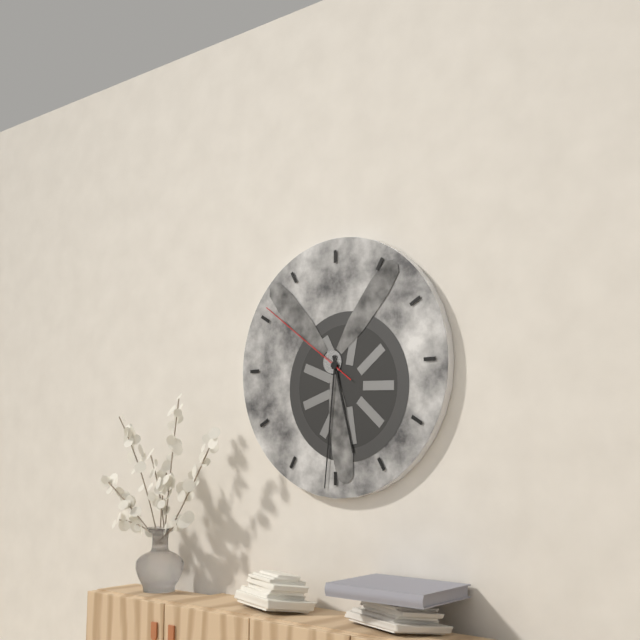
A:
5.31.51
